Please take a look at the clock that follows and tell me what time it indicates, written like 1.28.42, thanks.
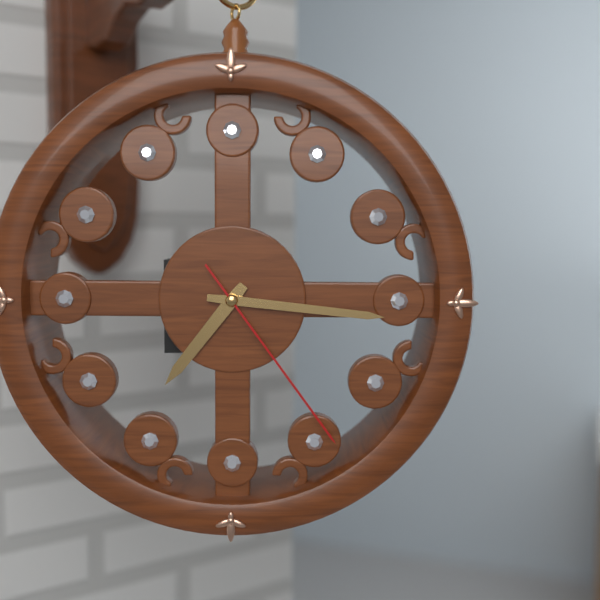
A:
7.16.24
